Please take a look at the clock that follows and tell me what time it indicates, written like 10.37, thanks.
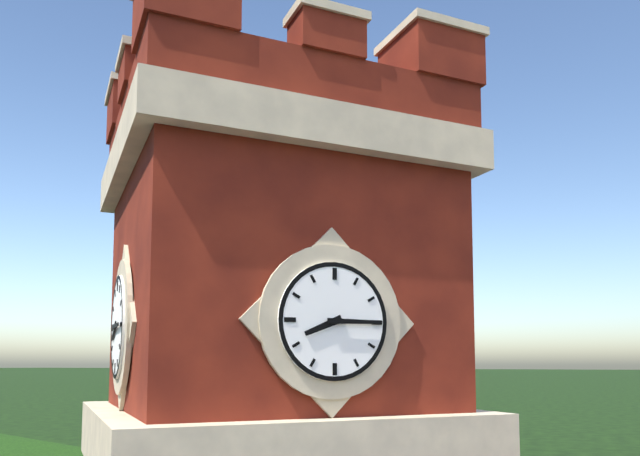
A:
8.15
